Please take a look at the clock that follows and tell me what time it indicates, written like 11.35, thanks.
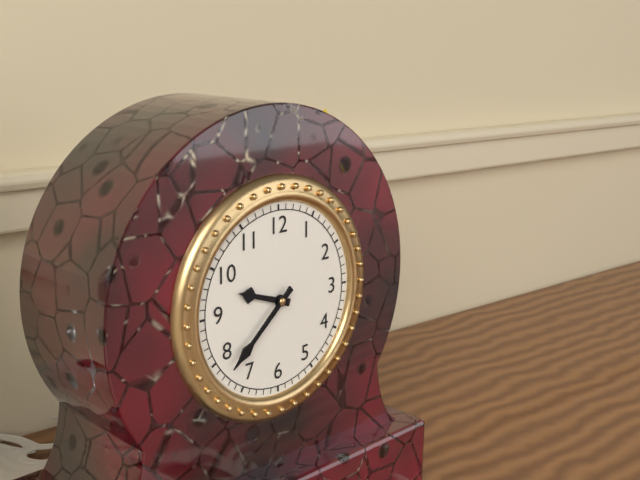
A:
9.38
